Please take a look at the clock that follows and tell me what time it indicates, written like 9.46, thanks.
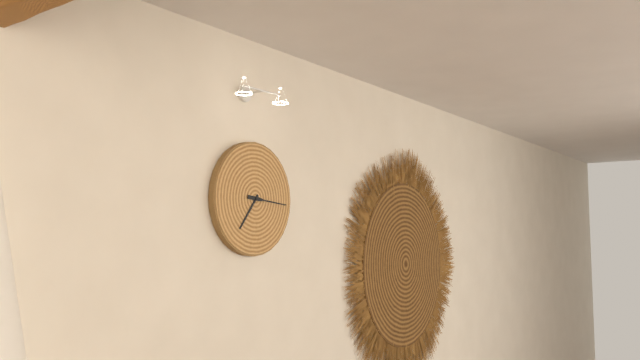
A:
7.16
